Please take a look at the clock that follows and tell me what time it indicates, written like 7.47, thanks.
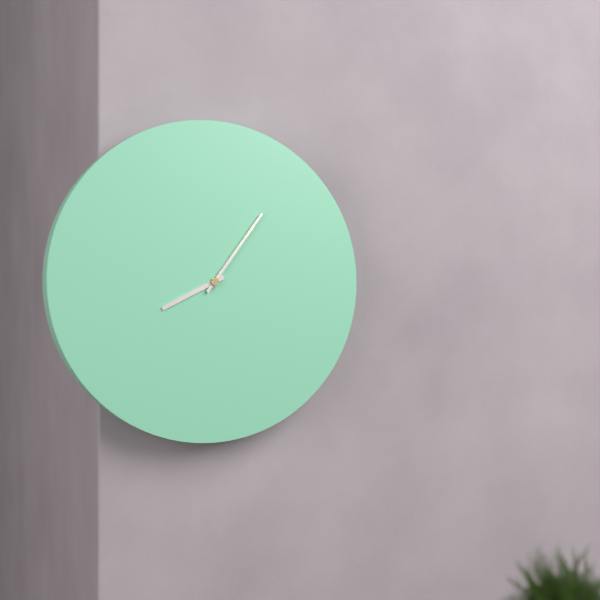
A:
8.06
